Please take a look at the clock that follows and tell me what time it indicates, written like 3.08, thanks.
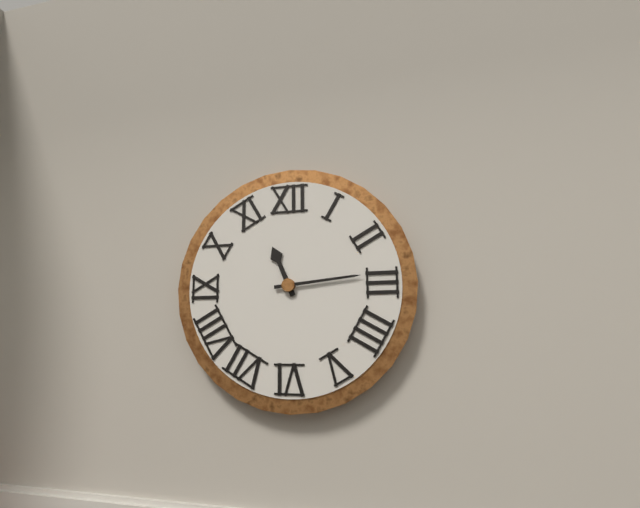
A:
11.14
